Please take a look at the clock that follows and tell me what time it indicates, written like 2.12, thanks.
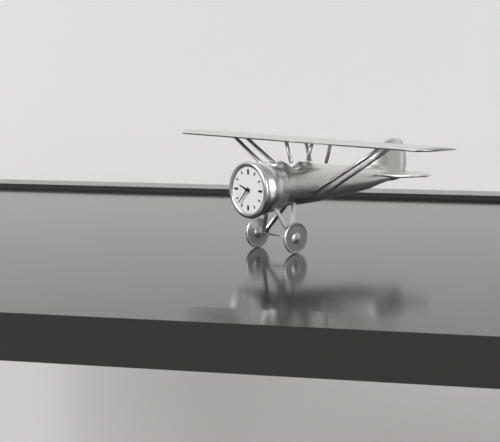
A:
9.37
